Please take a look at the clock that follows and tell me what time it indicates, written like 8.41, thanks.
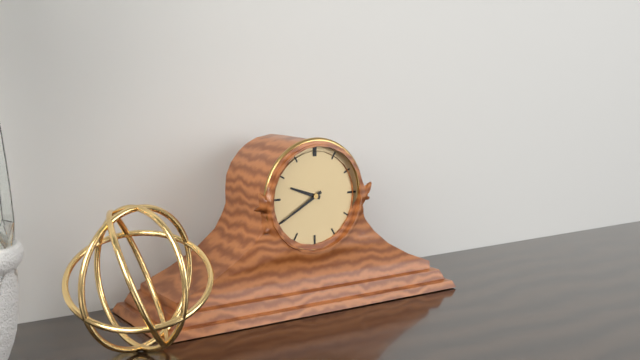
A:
9.40
